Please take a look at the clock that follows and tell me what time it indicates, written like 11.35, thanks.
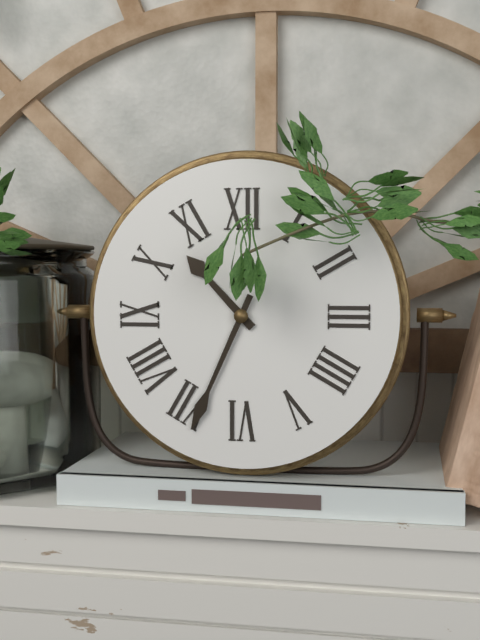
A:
10.34
